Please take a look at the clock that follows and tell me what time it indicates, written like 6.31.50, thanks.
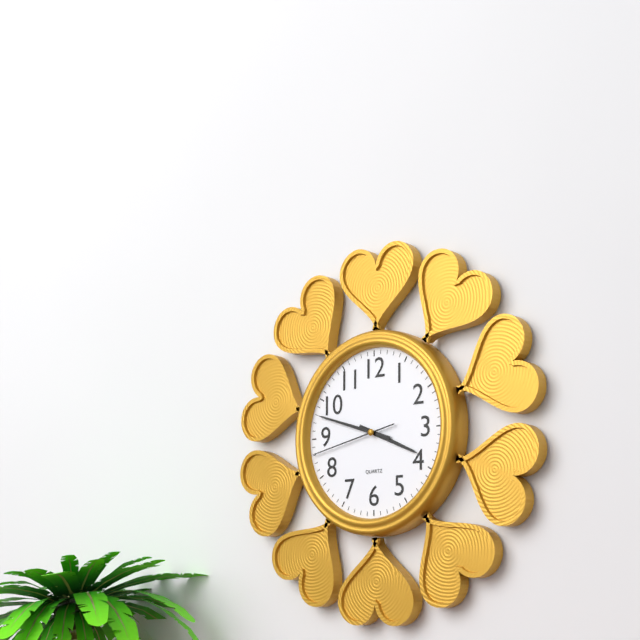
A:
3.48.43
